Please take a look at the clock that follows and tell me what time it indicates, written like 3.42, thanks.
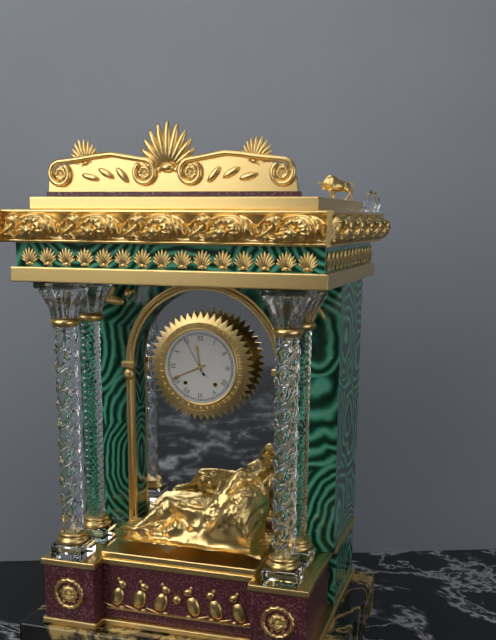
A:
11.41
